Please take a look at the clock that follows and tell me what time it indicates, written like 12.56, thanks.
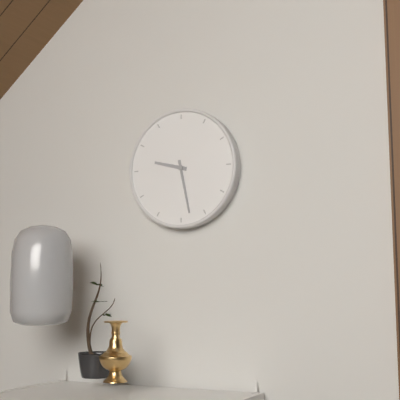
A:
9.28
